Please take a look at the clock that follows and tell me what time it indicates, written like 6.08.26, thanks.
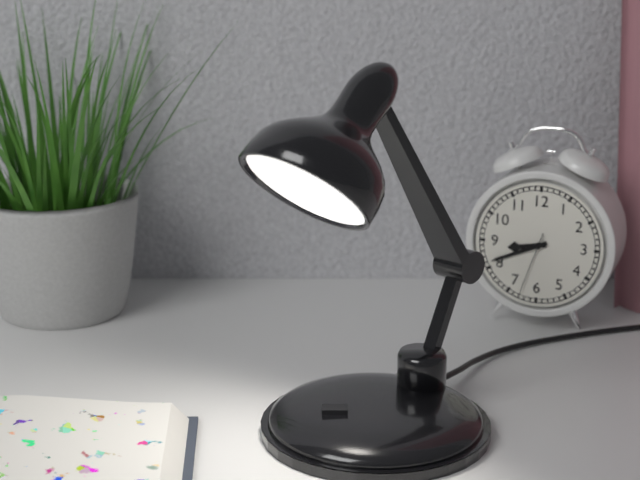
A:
8.41.33
